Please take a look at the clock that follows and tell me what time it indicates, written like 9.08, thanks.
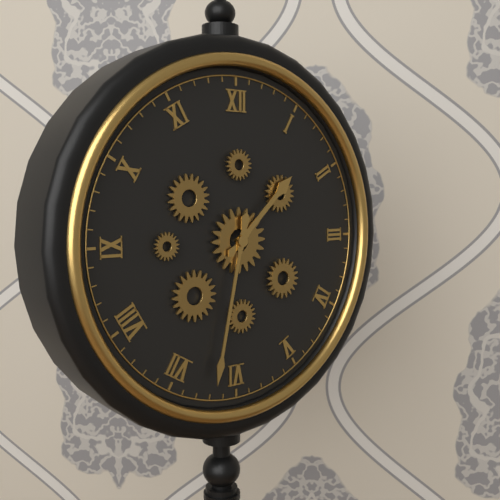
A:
1.32
